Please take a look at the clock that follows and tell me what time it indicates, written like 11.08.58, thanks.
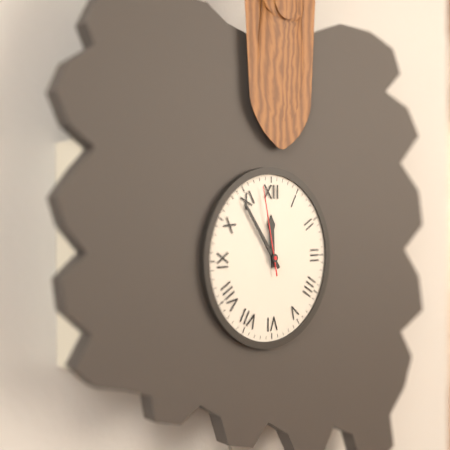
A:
11.54.58
